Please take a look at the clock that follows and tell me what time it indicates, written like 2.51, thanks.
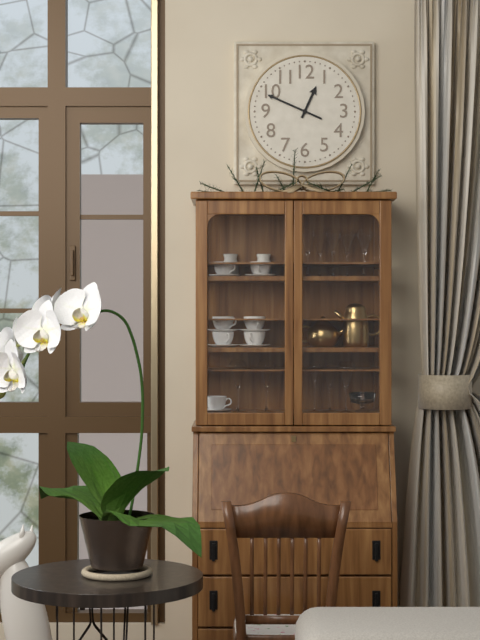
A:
12.49
